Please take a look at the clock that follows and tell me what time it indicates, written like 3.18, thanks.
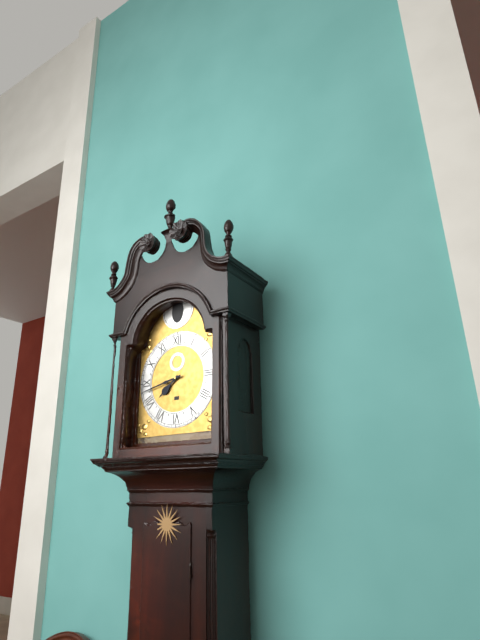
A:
7.43
